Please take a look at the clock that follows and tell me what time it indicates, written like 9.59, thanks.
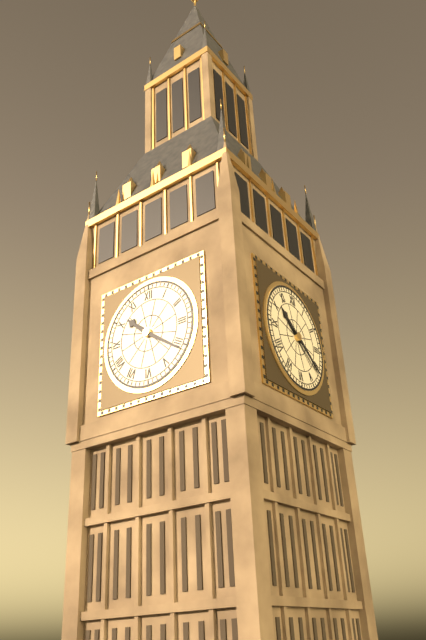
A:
10.21
